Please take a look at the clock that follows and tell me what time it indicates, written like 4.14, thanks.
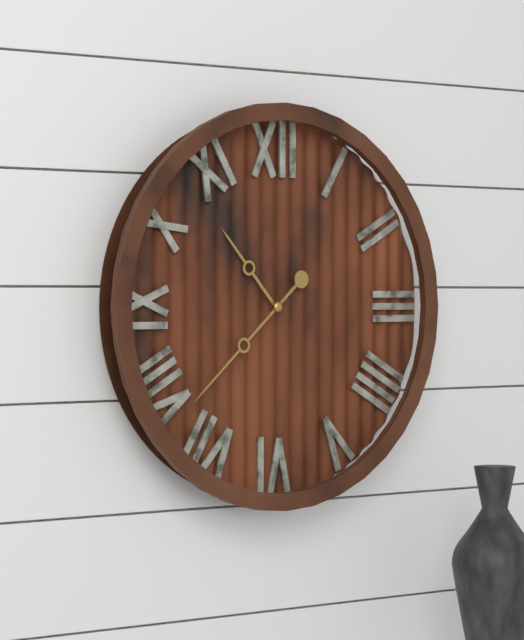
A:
10.38
